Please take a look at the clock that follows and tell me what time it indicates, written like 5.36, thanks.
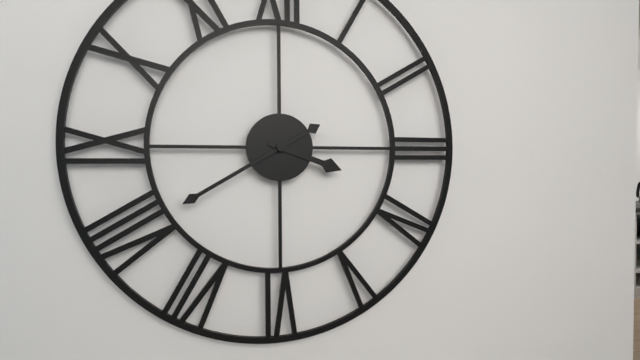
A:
3.40
